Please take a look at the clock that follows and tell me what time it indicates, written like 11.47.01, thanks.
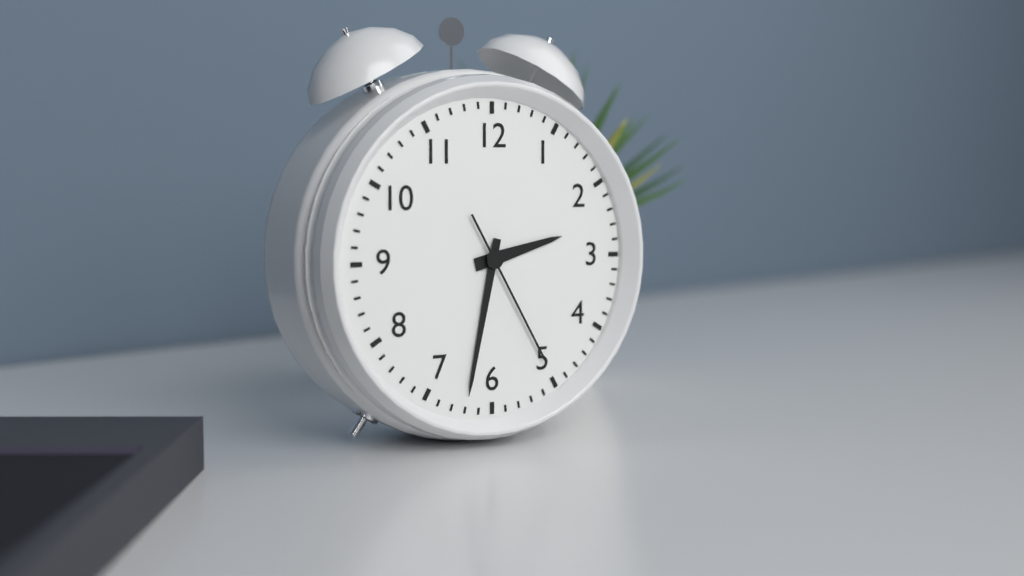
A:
2.32.25
